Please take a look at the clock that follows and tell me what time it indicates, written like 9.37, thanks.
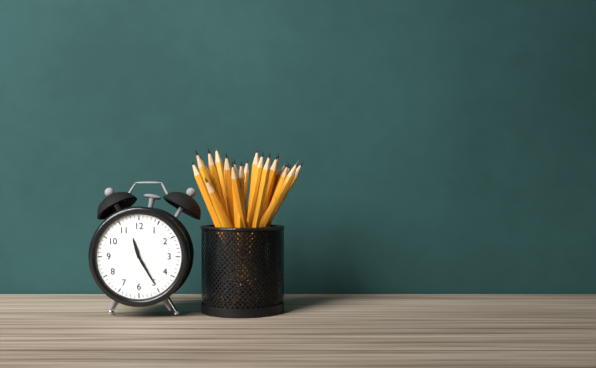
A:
11.25
